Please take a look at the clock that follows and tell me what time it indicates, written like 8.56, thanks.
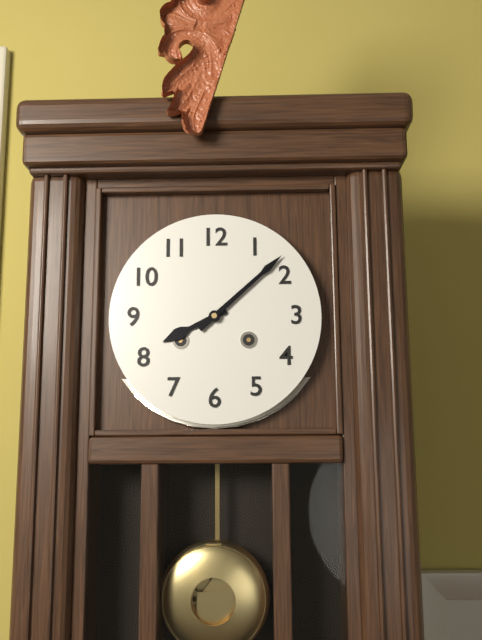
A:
8.08
